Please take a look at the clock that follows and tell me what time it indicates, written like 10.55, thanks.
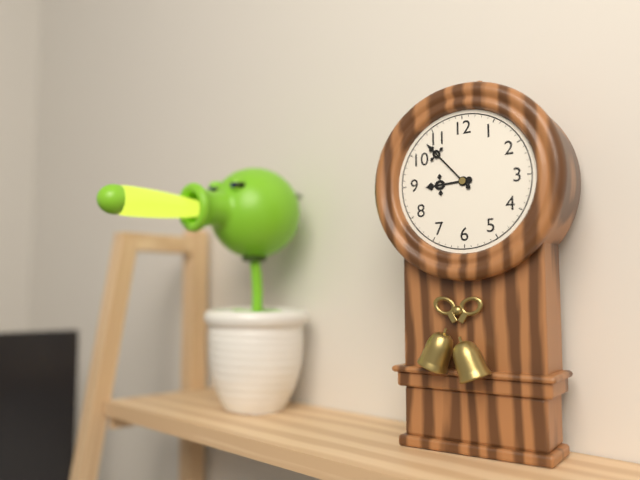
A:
8.53
